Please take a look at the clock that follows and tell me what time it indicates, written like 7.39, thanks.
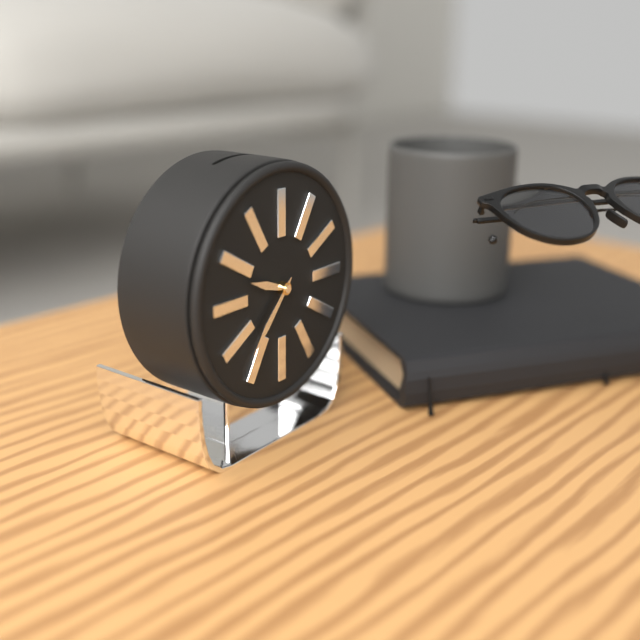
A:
9.37
